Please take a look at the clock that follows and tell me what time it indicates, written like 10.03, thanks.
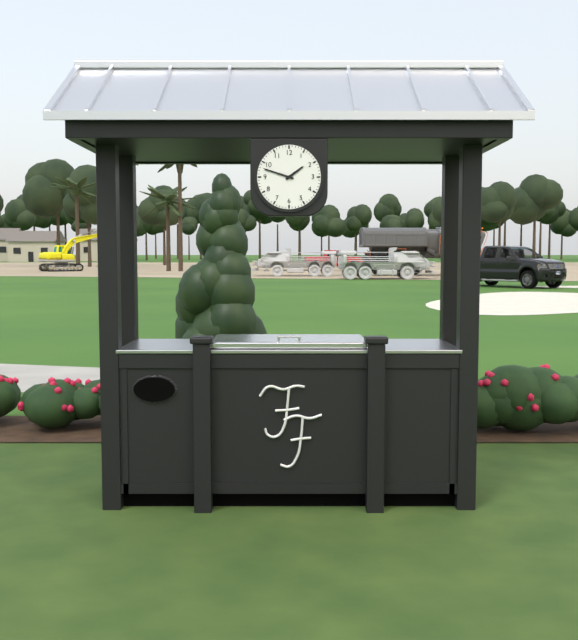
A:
1.48
